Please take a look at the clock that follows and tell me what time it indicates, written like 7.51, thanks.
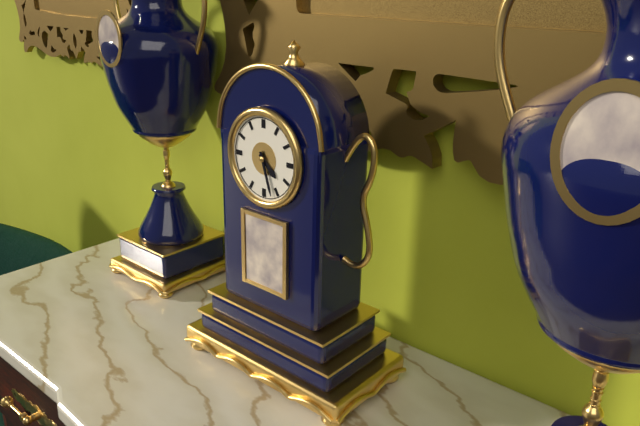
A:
4.27
